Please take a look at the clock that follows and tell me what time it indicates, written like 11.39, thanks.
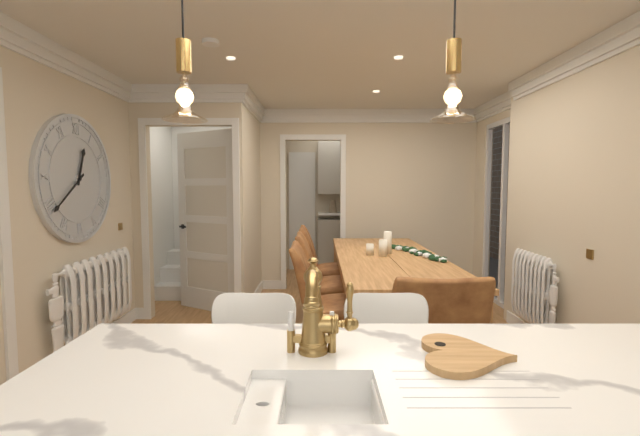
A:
12.39
